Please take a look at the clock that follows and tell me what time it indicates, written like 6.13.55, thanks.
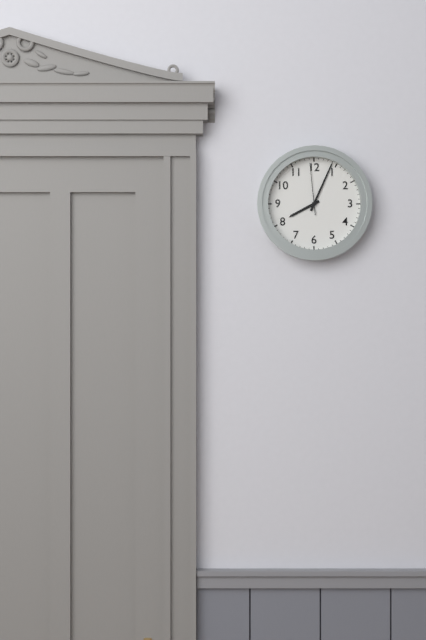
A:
8.04.59
